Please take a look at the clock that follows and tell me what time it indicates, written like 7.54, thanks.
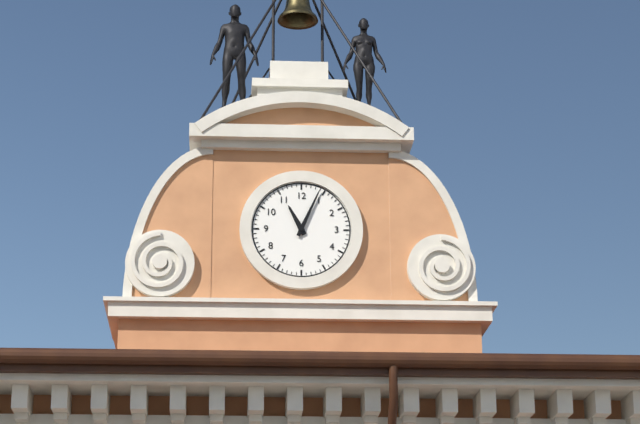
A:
11.04
